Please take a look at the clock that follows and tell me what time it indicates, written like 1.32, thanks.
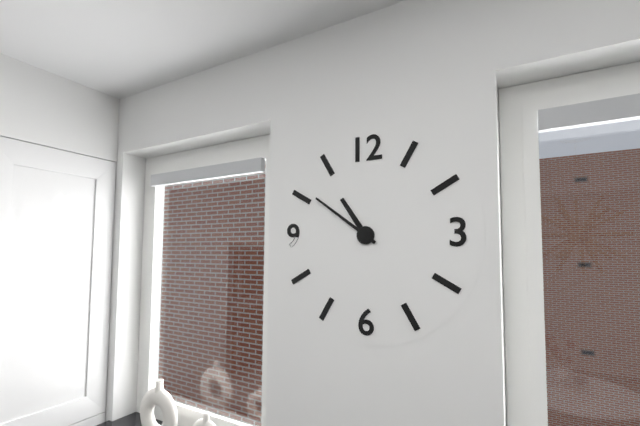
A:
10.51
